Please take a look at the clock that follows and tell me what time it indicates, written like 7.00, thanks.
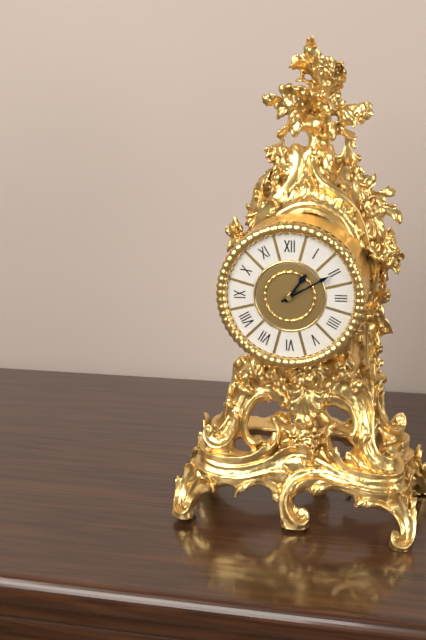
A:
1.10
